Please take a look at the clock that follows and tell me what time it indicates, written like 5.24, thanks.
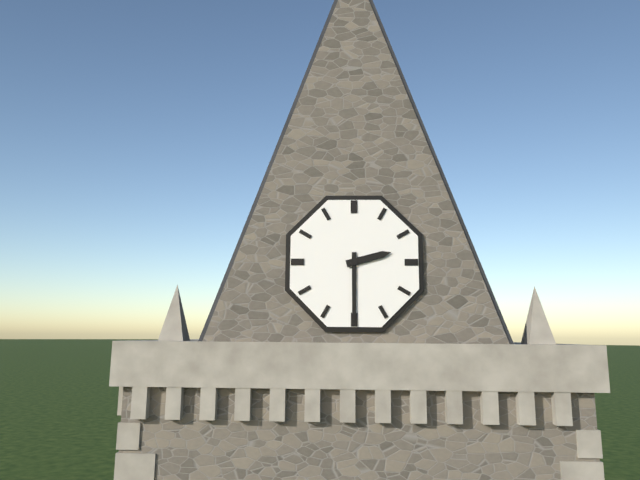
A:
2.30
